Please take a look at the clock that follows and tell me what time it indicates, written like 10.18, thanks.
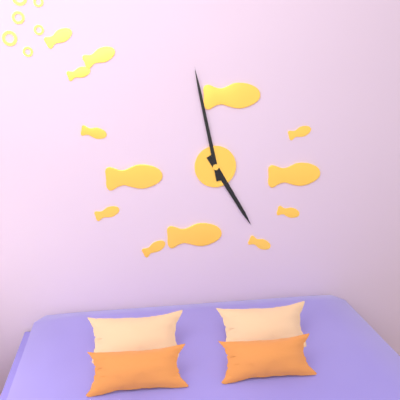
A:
4.58
